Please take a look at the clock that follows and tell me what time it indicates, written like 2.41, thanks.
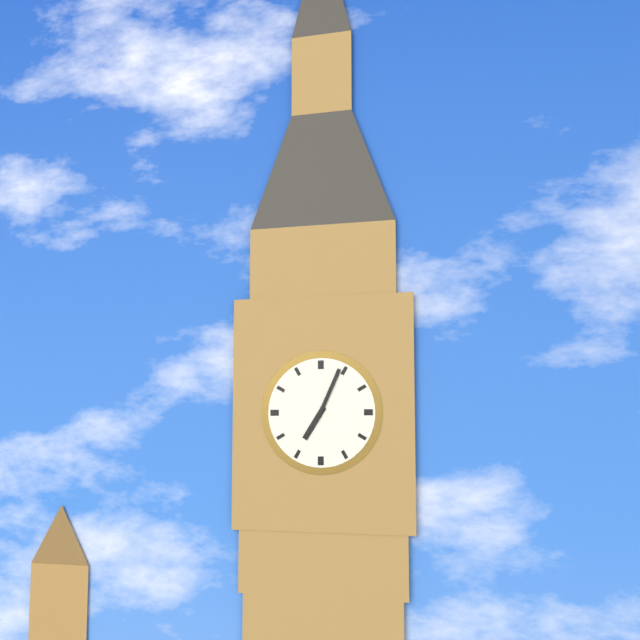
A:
7.04
